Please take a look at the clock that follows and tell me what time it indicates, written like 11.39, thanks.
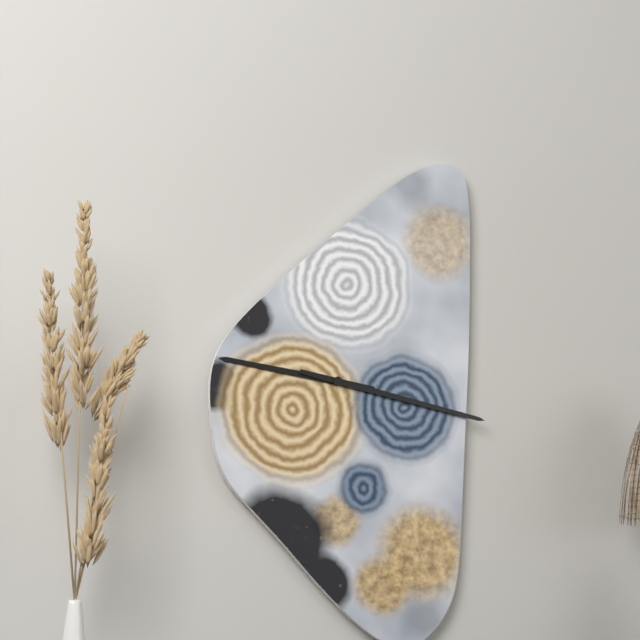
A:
9.17
